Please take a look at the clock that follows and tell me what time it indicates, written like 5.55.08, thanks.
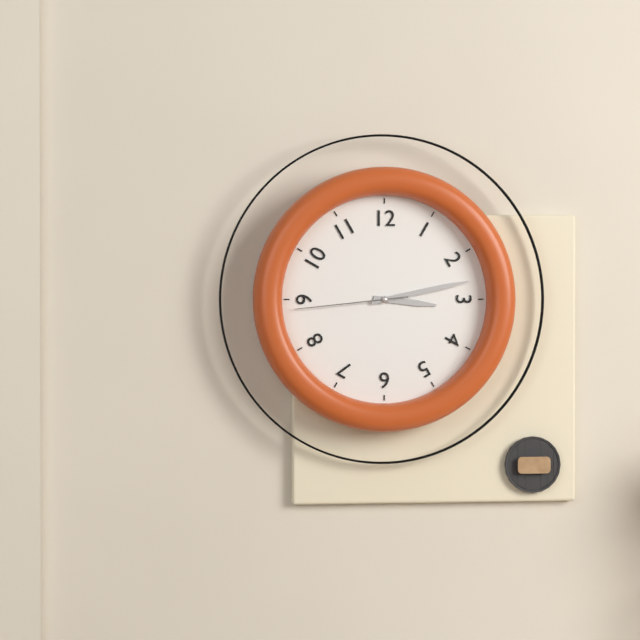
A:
3.13.44
